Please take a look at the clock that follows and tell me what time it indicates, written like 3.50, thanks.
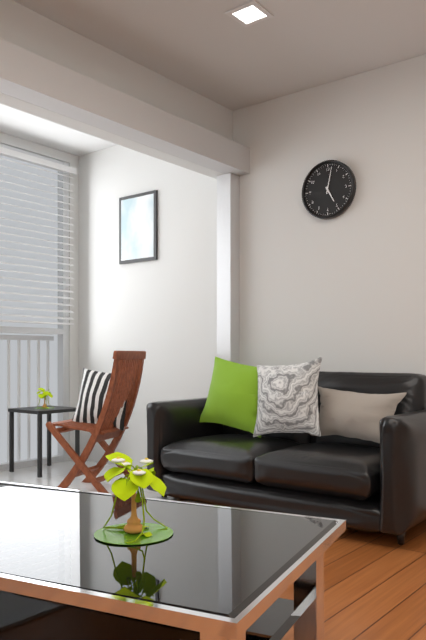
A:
5.02
